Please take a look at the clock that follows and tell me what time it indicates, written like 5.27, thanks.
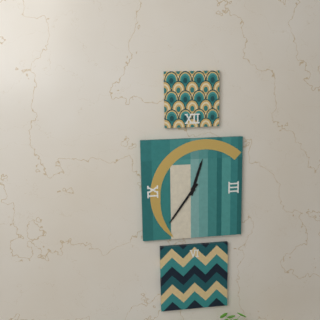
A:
12.36
